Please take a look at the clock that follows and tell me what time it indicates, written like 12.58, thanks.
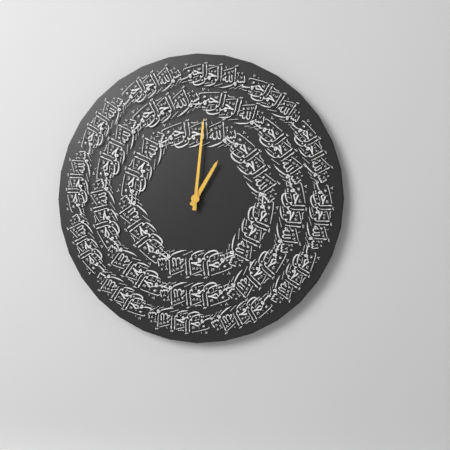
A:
1.01
